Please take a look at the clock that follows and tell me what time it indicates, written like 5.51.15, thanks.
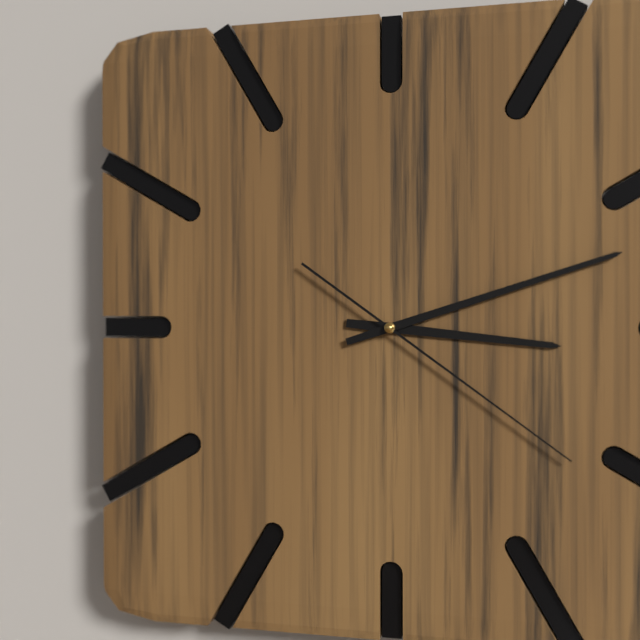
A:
3.12.21
